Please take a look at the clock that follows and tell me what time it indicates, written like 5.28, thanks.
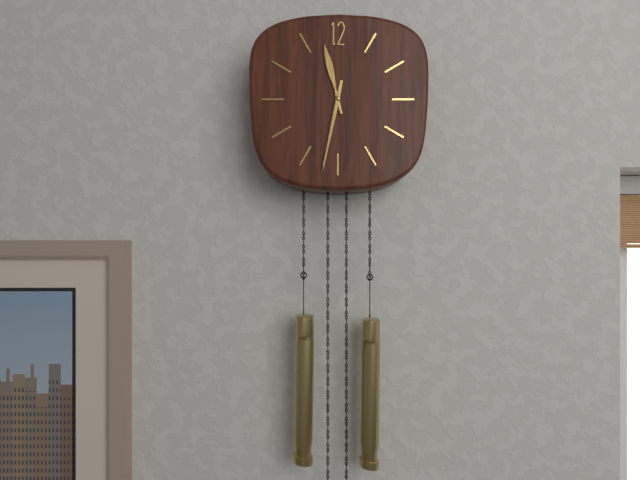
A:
11.32
